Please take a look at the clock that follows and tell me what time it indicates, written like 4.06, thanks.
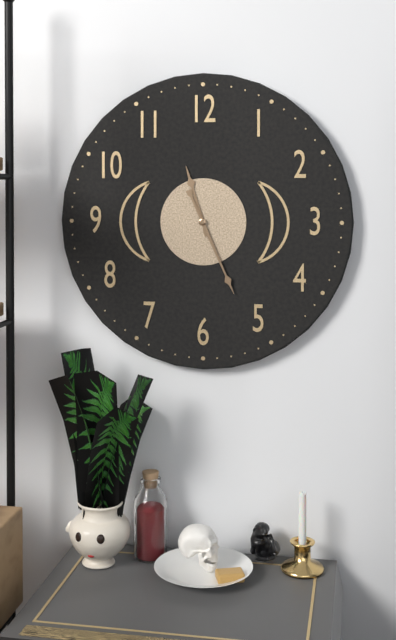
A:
11.26
